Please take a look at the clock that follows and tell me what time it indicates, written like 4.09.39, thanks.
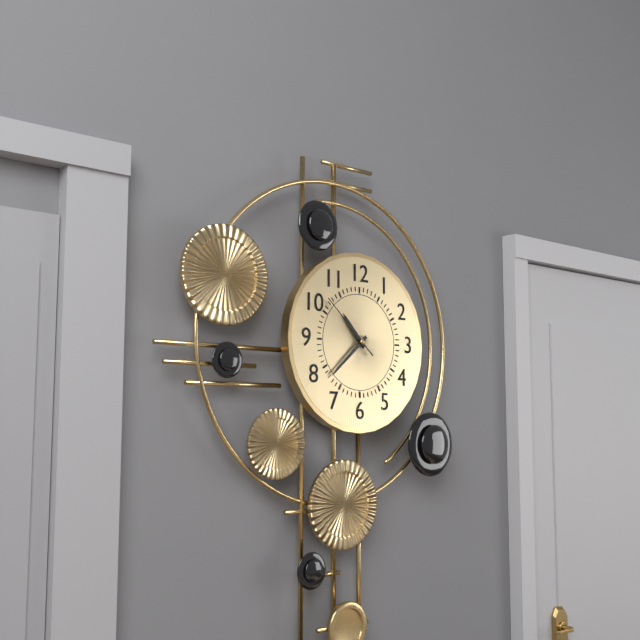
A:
10.38.52
